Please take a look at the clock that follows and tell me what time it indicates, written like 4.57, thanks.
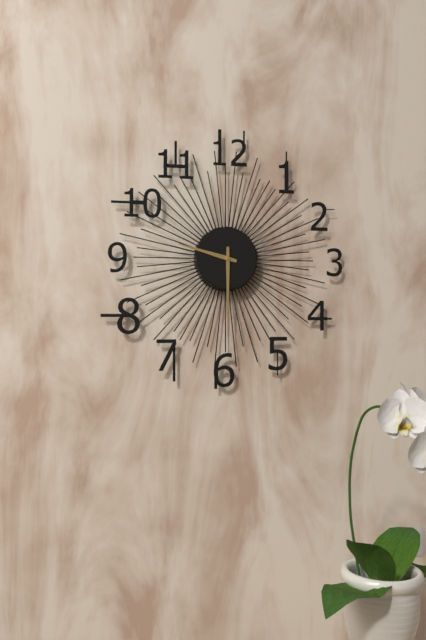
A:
9.30
